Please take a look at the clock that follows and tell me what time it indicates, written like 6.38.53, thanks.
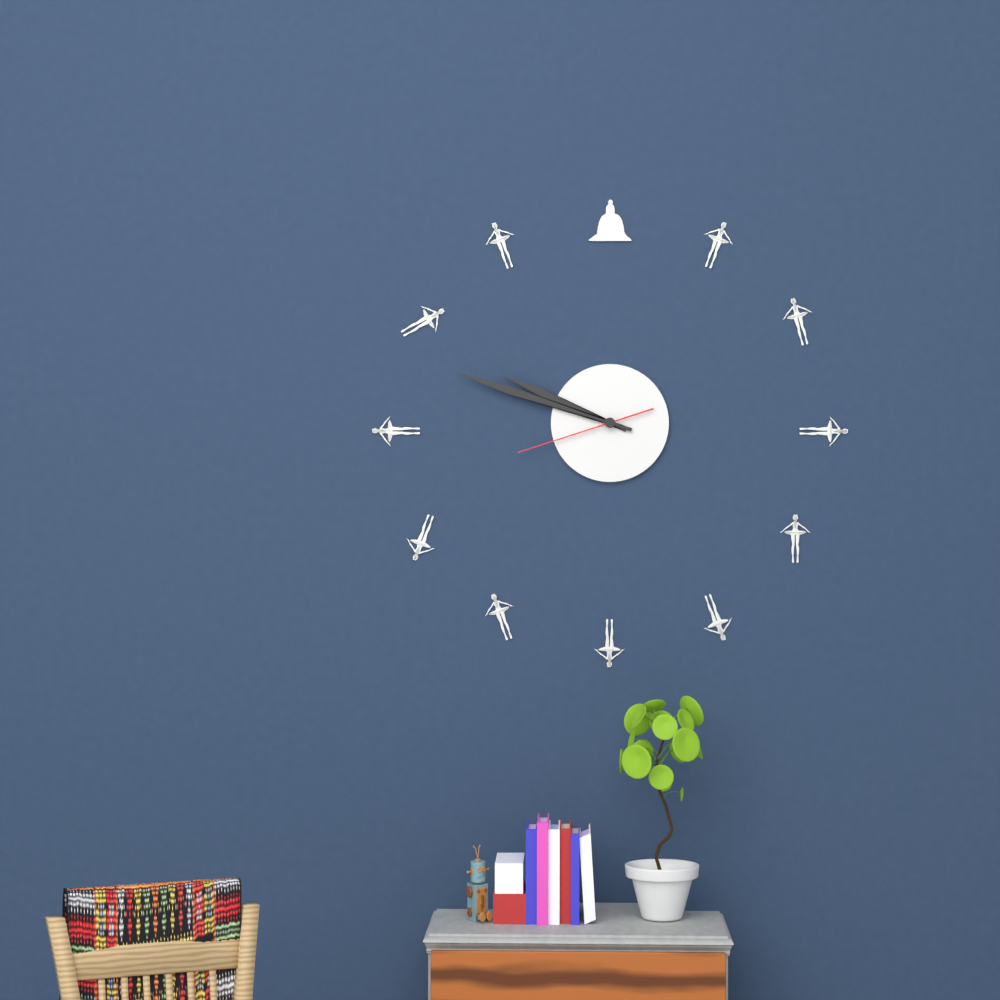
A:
9.48.42
